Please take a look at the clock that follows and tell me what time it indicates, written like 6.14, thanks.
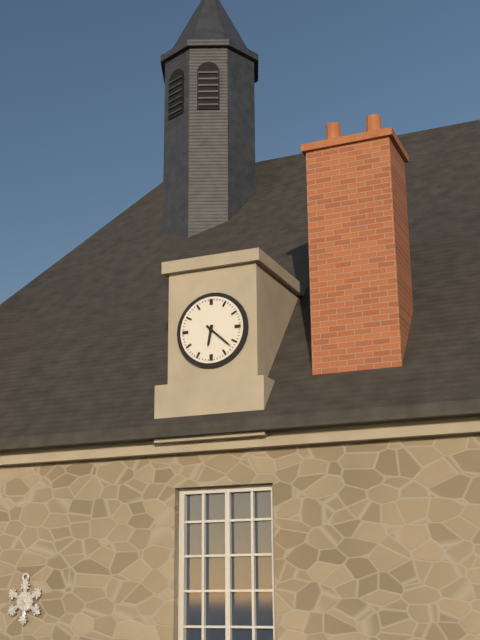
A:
6.22
